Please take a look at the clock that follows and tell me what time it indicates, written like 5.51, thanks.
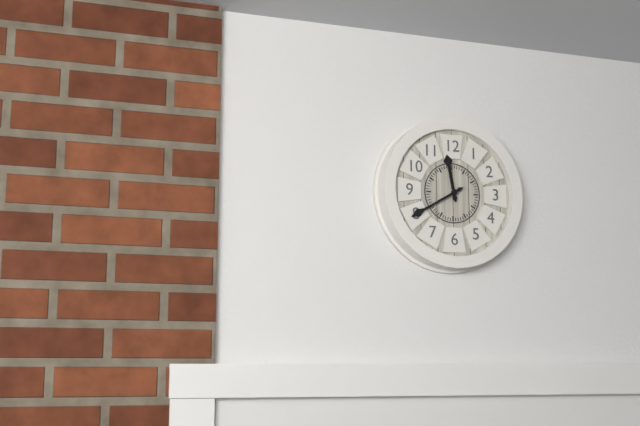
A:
11.40
